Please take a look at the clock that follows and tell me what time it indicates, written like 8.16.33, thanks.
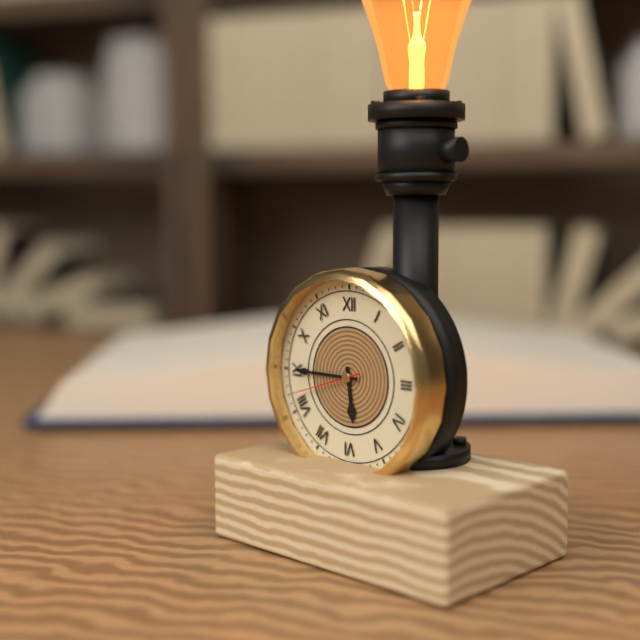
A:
5.45.42
